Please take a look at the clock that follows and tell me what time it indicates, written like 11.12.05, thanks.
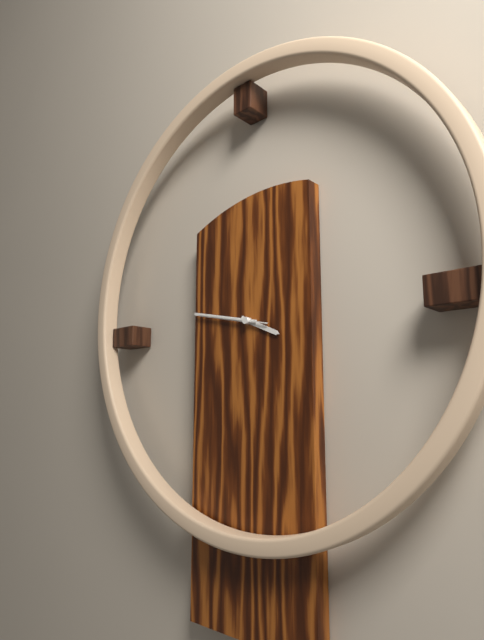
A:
3.47.47
